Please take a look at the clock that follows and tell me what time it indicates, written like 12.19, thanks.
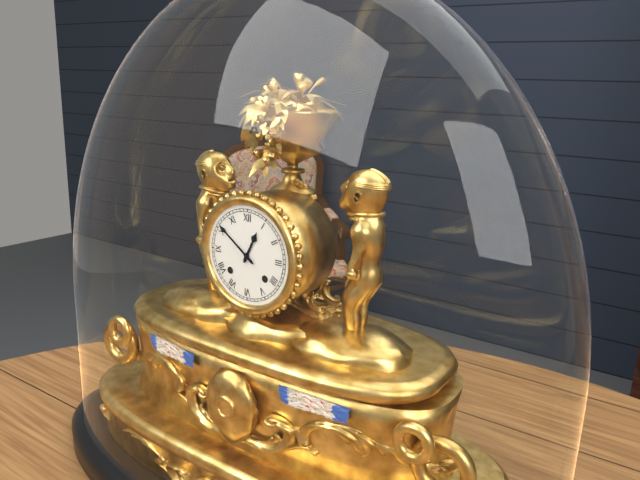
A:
12.51
